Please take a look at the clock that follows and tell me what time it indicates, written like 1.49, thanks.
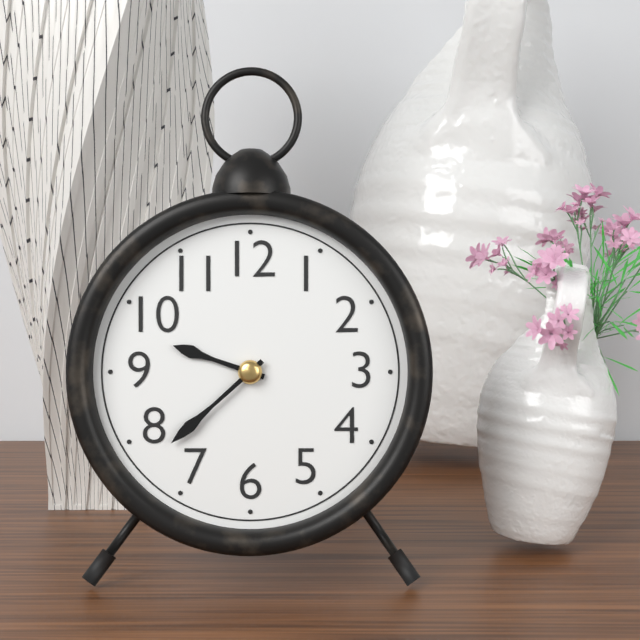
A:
9.38
